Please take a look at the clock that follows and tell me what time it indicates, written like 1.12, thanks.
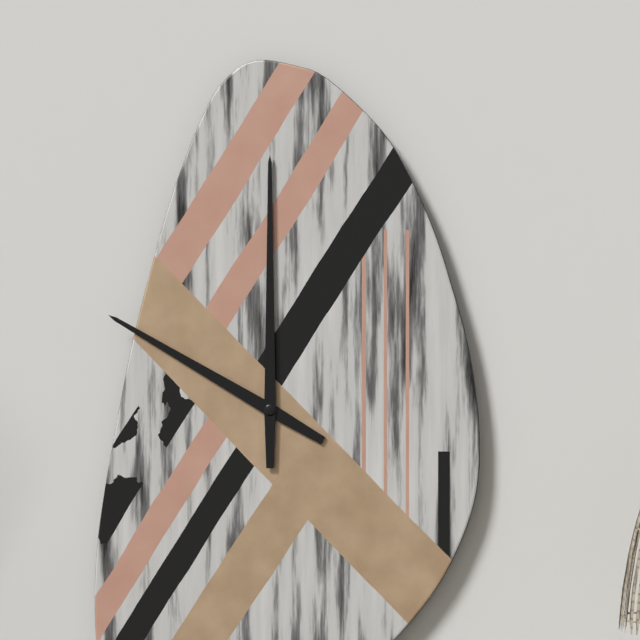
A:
10.00
